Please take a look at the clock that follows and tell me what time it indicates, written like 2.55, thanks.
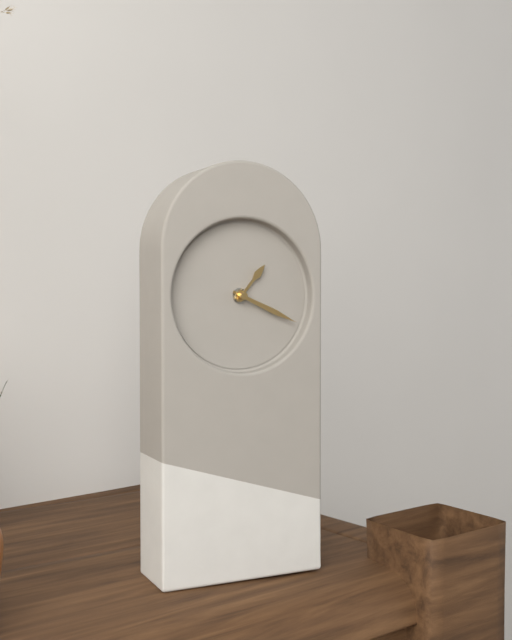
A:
1.19
